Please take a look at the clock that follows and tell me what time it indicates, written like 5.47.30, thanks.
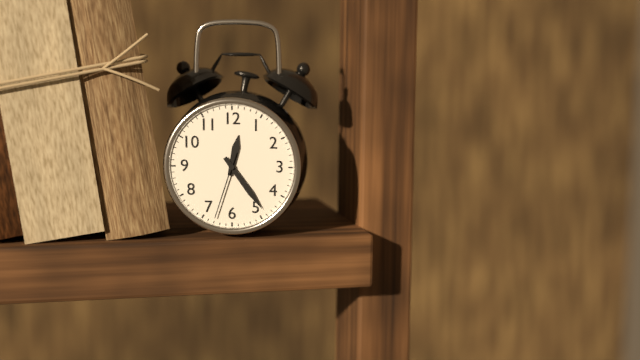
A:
12.24.33
